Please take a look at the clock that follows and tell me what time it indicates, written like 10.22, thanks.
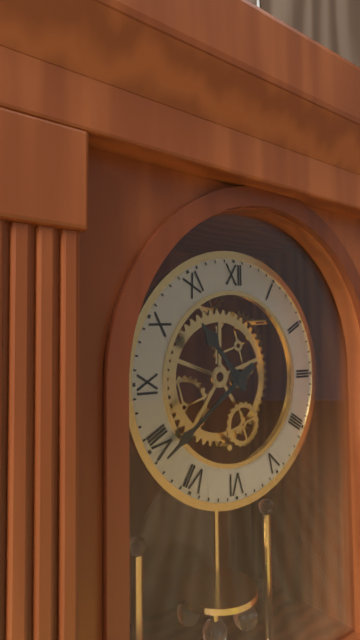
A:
10.39
